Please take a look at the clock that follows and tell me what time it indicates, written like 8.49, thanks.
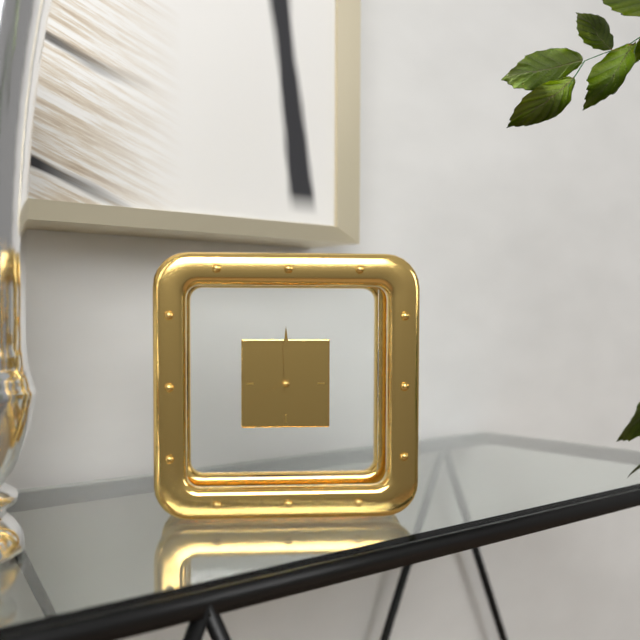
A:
8.00
